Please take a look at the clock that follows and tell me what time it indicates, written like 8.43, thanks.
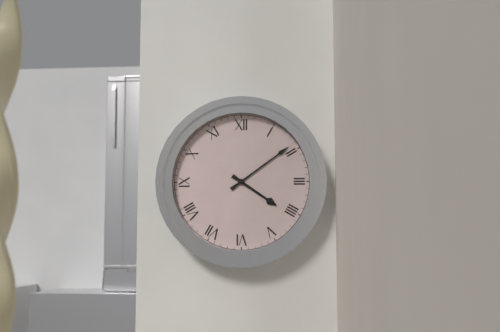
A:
4.09
